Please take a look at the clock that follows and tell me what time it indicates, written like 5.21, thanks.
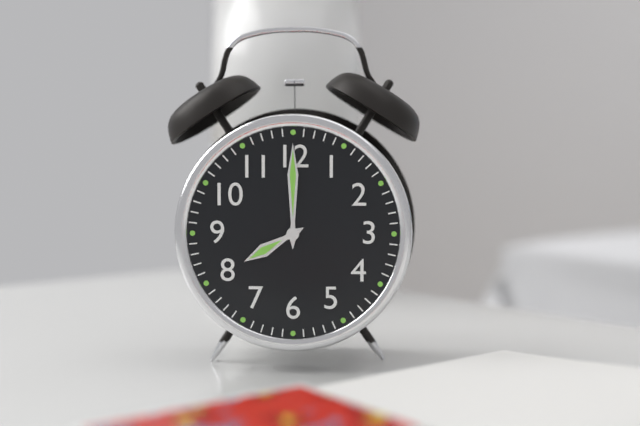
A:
8.00
